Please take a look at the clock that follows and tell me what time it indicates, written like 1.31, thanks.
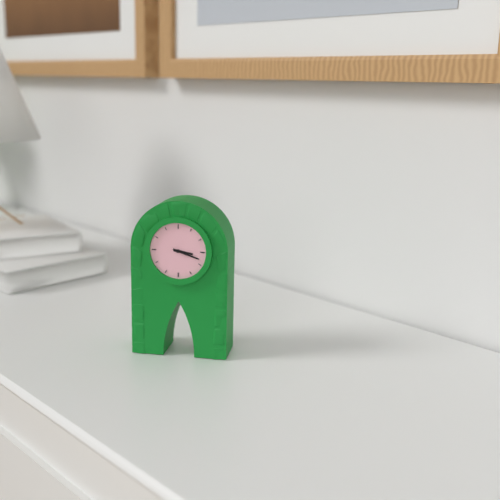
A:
3.18
